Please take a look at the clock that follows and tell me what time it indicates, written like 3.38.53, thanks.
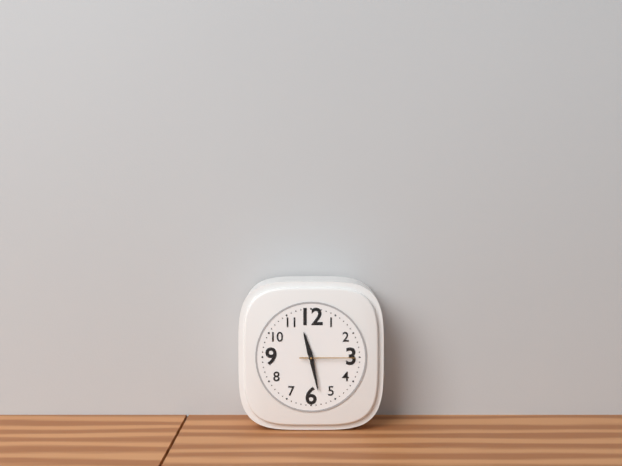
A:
11.28.15
